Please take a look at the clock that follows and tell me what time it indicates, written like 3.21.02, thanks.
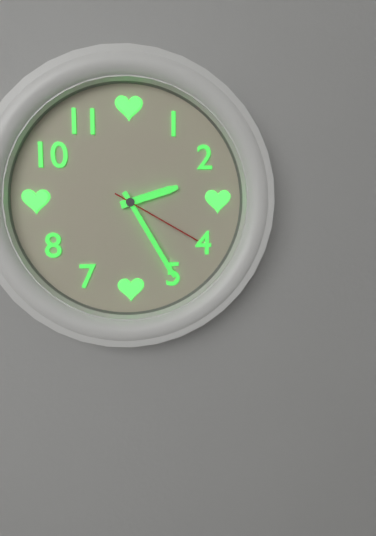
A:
2.25.20
